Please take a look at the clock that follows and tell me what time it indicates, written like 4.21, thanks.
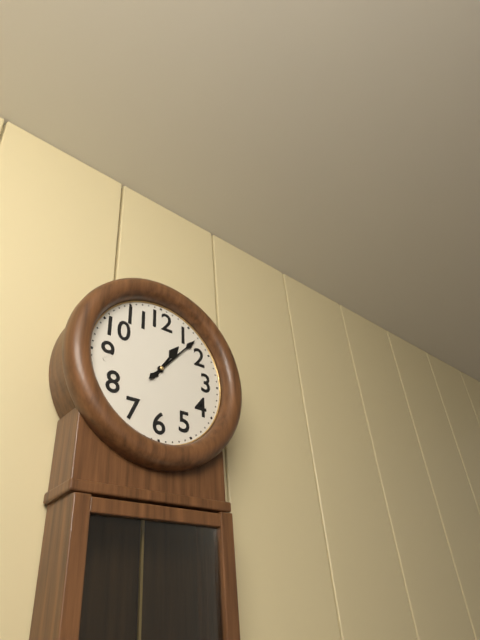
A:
1.07
